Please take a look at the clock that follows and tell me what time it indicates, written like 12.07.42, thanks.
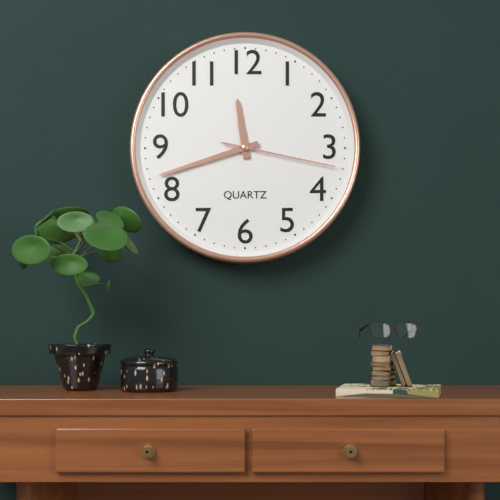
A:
11.42.17
